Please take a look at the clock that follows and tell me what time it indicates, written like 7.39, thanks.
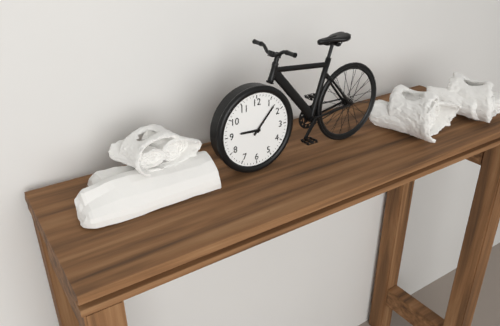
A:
9.07
